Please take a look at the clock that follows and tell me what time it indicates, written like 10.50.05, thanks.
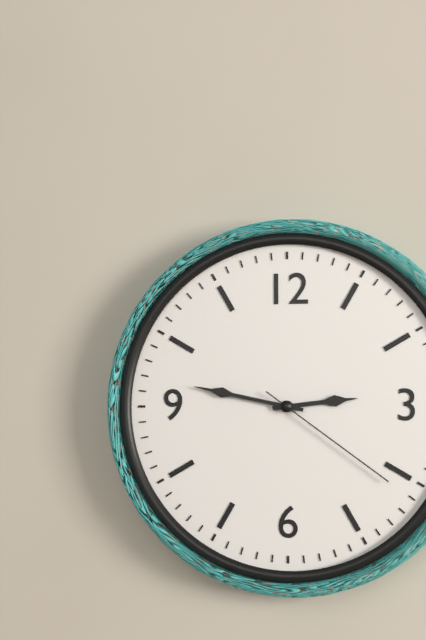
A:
2.47.21
